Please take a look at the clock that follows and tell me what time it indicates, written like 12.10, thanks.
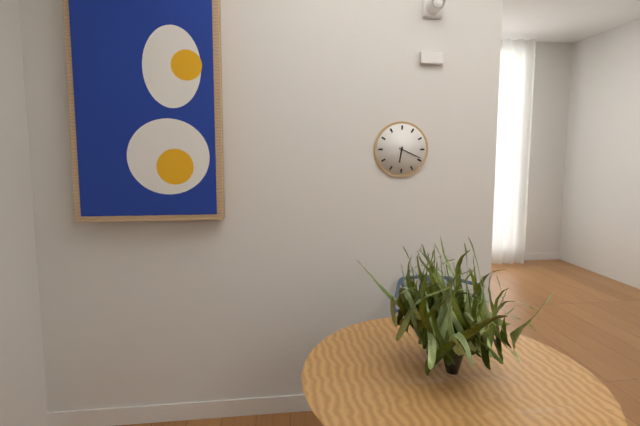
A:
6.19
